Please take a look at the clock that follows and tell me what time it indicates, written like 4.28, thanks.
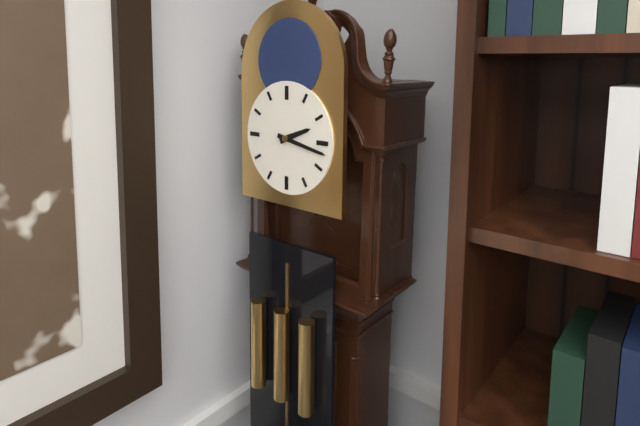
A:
2.17
